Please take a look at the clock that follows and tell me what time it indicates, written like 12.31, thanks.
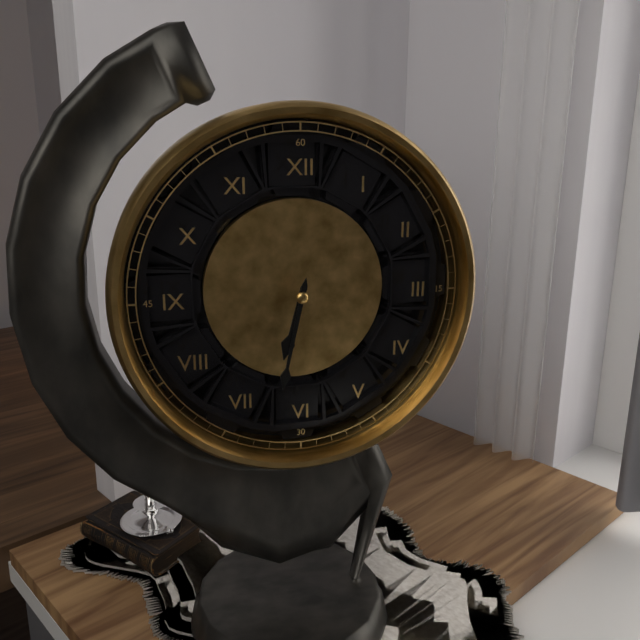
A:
6.32
